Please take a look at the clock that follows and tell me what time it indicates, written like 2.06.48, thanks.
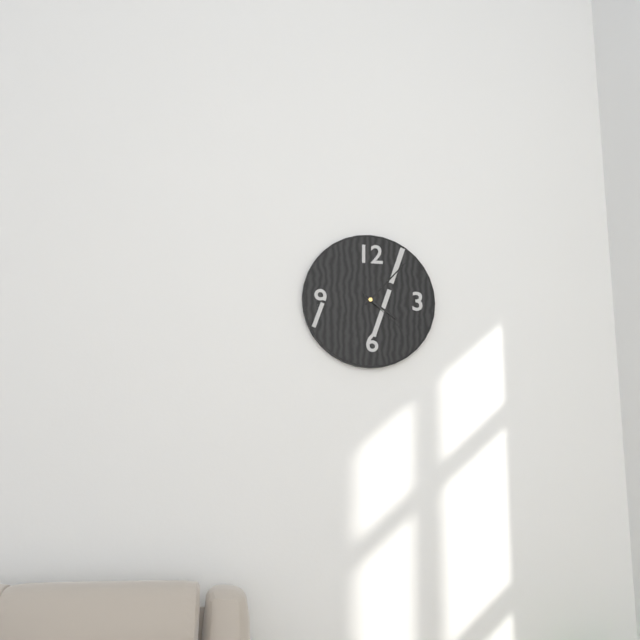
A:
4.07.22
